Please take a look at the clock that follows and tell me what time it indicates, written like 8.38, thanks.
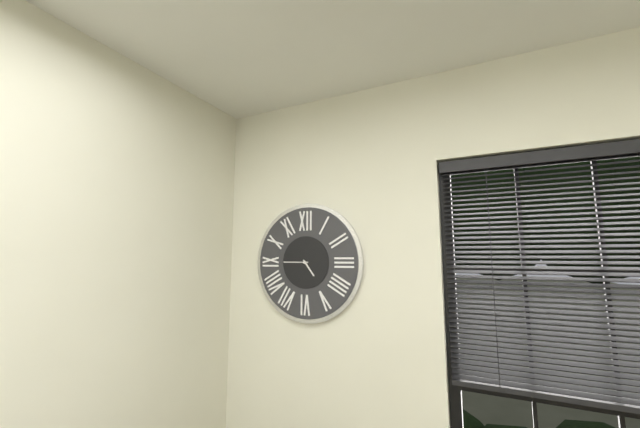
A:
4.45
